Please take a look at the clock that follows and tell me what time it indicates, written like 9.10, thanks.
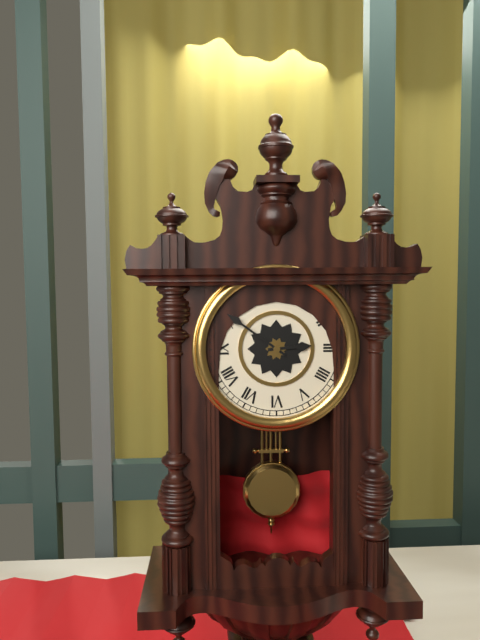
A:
2.51
